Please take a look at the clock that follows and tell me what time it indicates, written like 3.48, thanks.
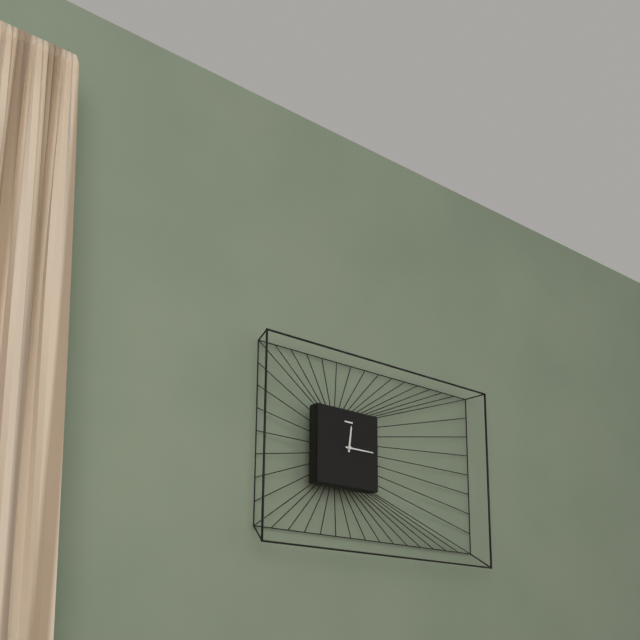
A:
12.15
